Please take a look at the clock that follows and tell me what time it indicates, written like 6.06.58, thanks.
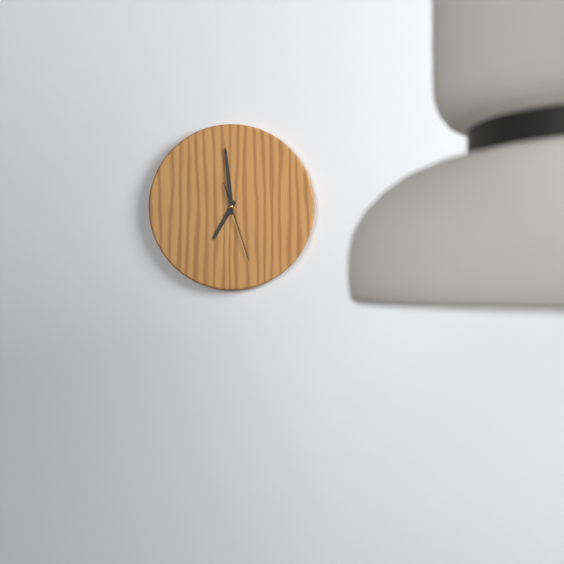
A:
6.59.27
